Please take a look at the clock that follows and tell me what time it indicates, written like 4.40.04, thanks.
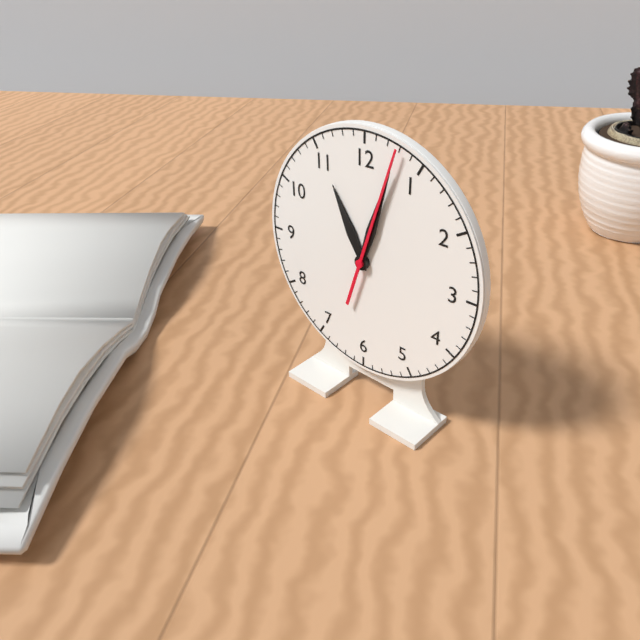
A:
11.03.03
